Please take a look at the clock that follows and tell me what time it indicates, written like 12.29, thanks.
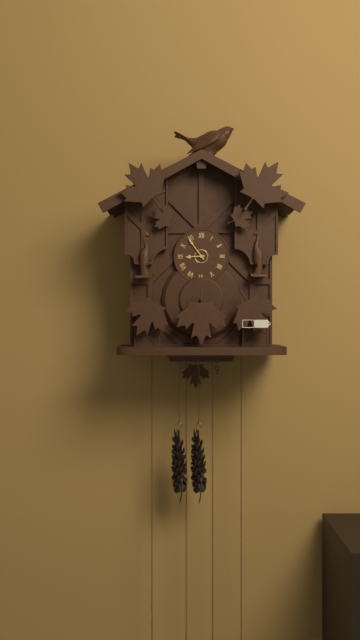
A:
8.54
